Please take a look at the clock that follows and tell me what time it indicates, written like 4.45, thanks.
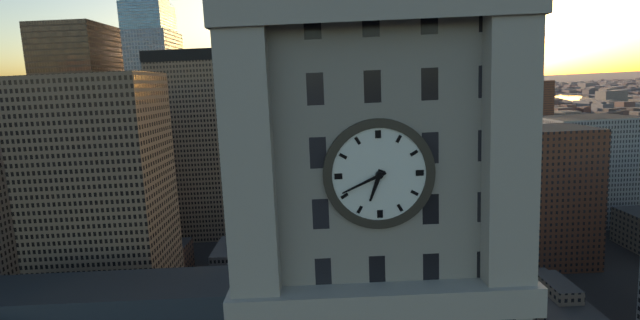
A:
6.41
